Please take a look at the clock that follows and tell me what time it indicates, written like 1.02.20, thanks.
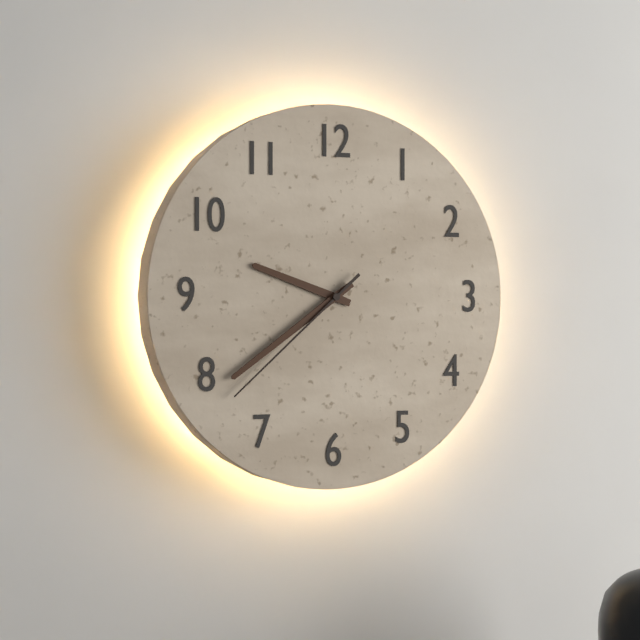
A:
9.39.38
